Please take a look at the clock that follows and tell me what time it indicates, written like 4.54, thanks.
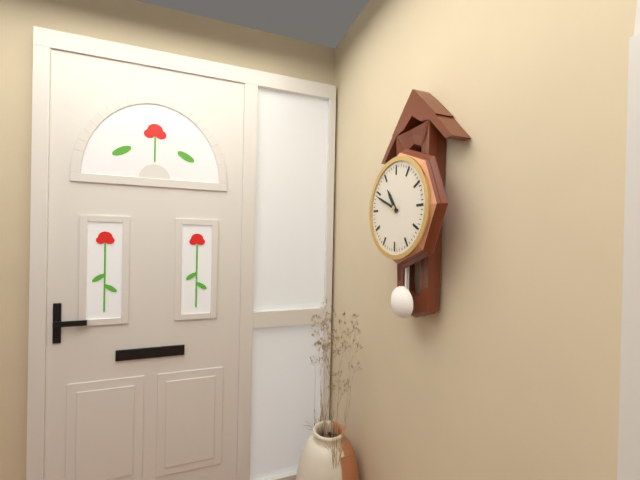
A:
10.49
